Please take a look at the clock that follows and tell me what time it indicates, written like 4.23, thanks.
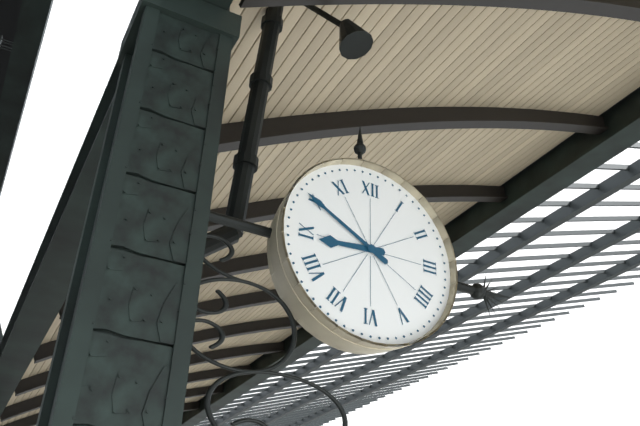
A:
8.50
